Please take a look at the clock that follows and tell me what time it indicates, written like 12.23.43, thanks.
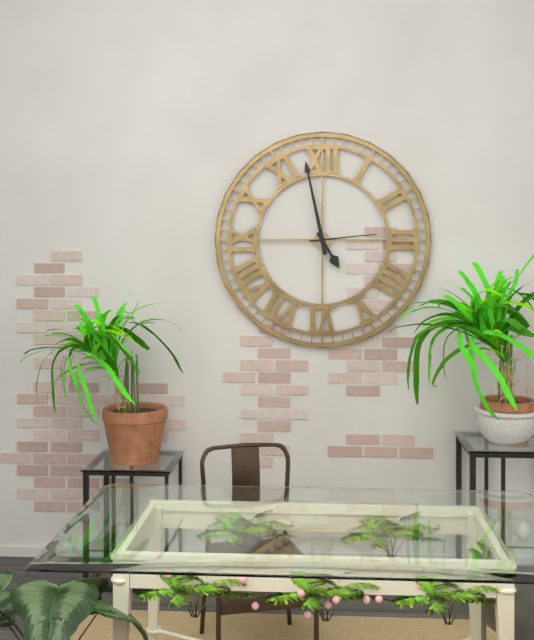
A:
4.58.14
